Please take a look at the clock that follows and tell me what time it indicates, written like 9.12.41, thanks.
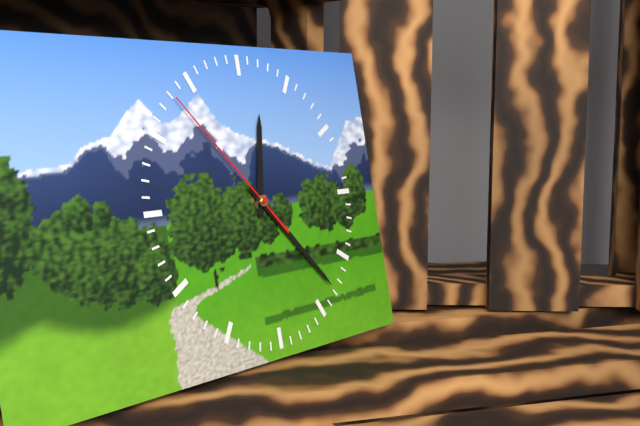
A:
12.23.53
